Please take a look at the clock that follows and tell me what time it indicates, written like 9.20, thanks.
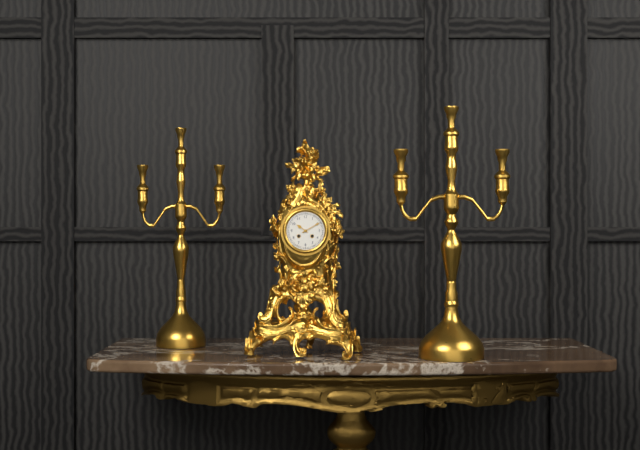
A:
10.10
